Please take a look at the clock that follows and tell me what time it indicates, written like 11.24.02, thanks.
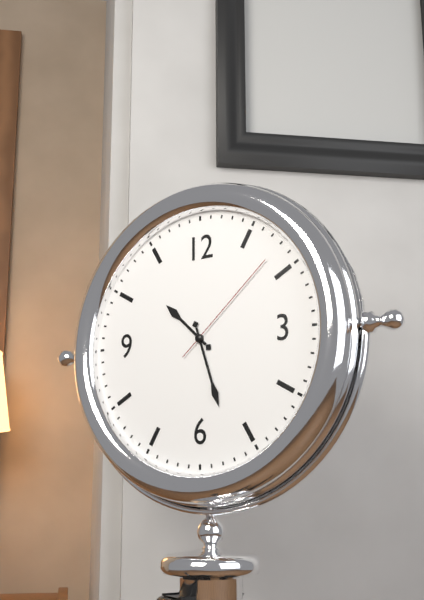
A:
10.27.08
